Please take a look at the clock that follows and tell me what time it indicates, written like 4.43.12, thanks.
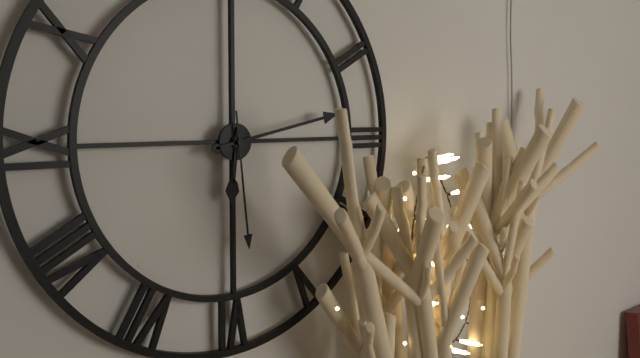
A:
6.13.29
